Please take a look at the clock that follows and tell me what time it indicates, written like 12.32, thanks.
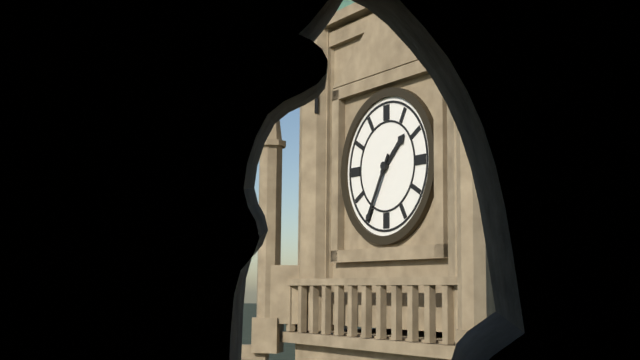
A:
1.35
